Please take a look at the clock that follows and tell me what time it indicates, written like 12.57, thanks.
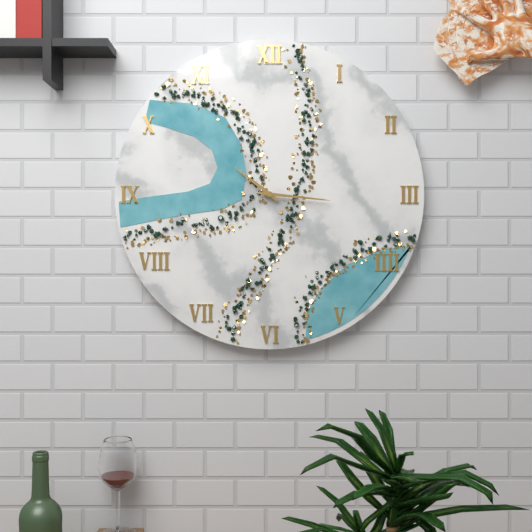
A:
10.16
